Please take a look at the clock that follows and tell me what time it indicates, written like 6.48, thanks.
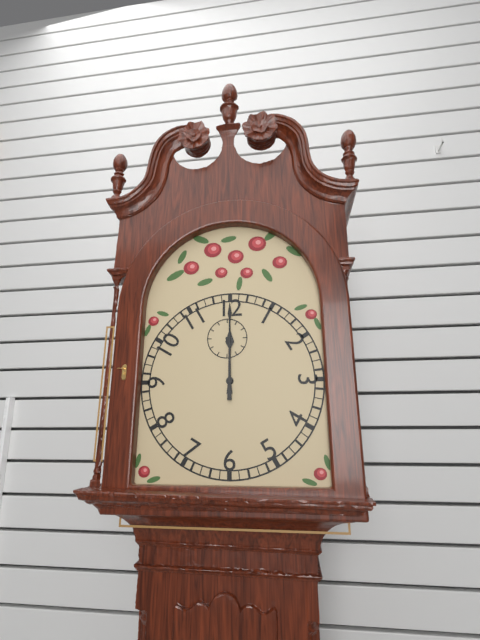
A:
12.00
